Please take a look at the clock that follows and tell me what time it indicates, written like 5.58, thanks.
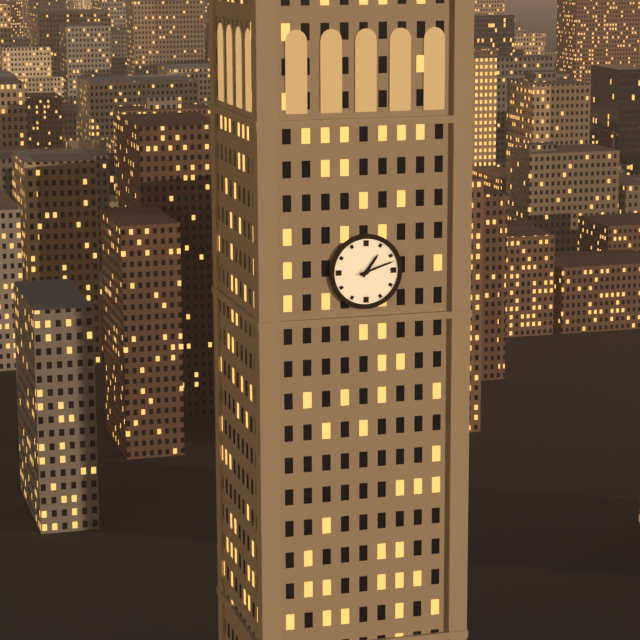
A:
1.12
